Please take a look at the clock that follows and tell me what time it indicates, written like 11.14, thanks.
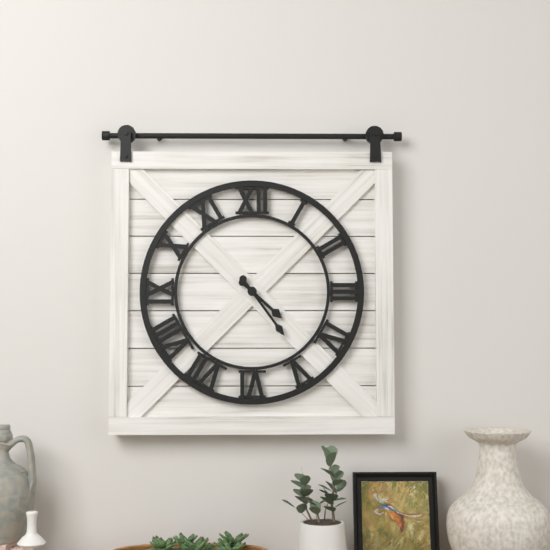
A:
4.24
